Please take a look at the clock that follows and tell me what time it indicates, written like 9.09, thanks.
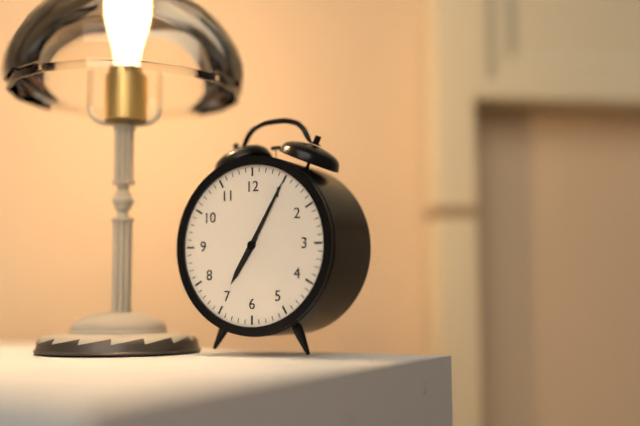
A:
7.05
